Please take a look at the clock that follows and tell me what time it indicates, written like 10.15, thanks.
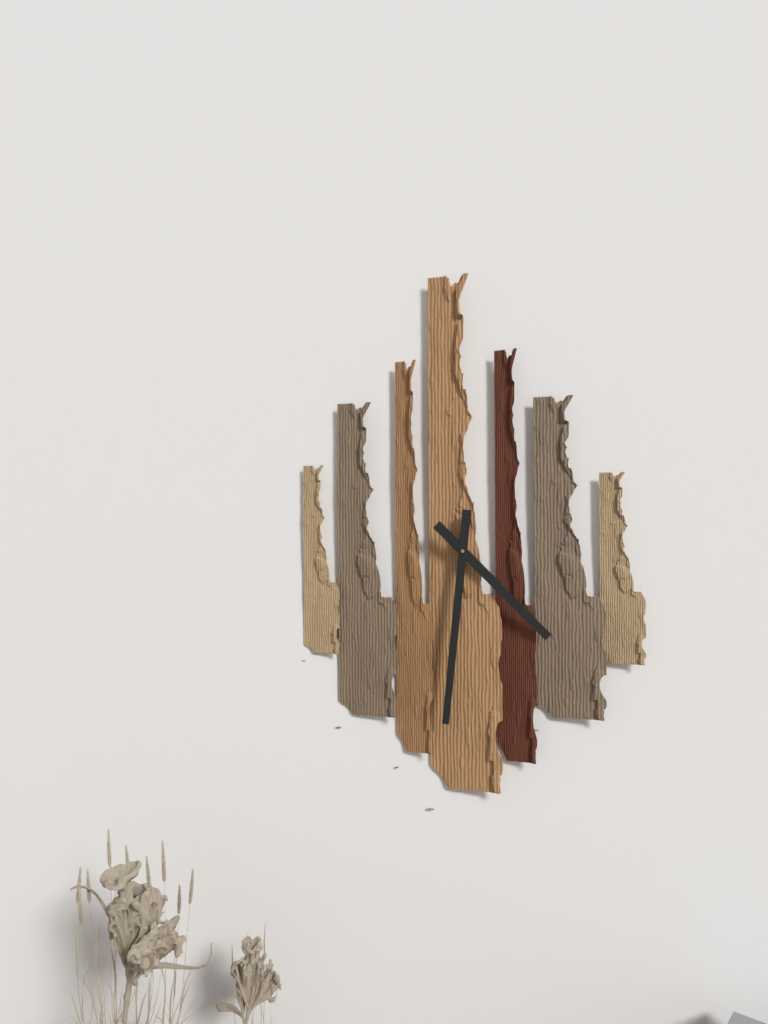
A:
4.31
